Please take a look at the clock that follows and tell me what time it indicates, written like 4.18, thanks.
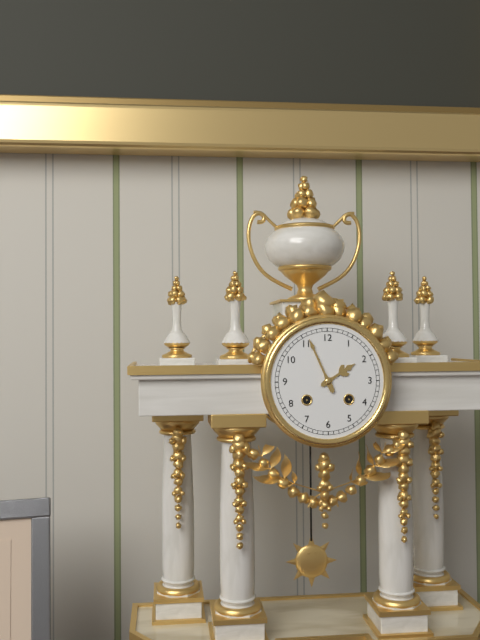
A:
1.56
